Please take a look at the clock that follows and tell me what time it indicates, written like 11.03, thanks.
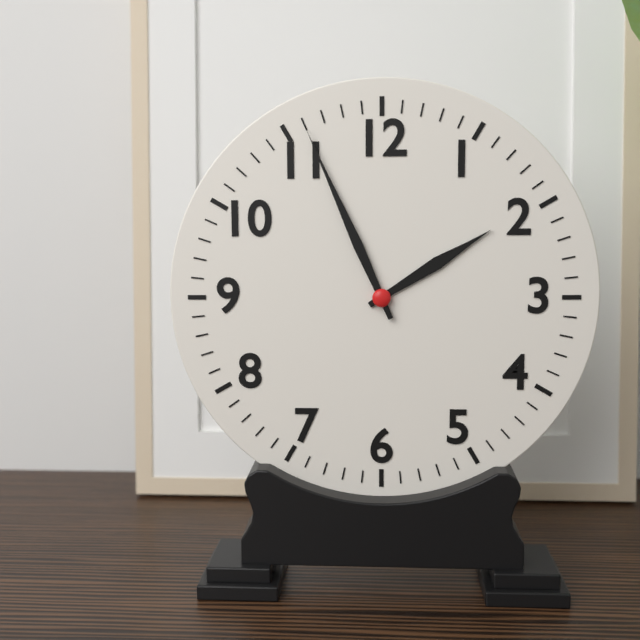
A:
1.56
